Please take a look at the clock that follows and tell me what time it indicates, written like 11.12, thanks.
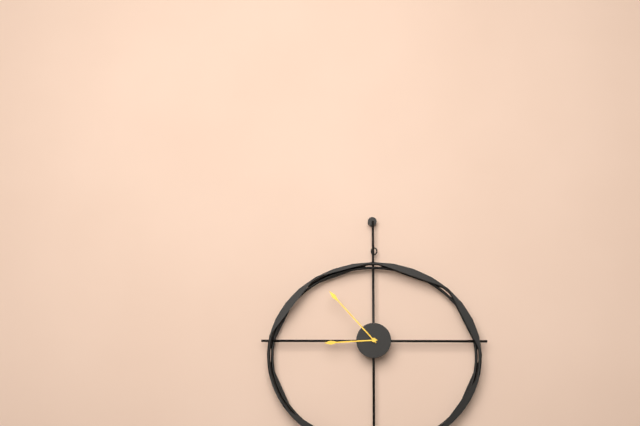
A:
8.53
